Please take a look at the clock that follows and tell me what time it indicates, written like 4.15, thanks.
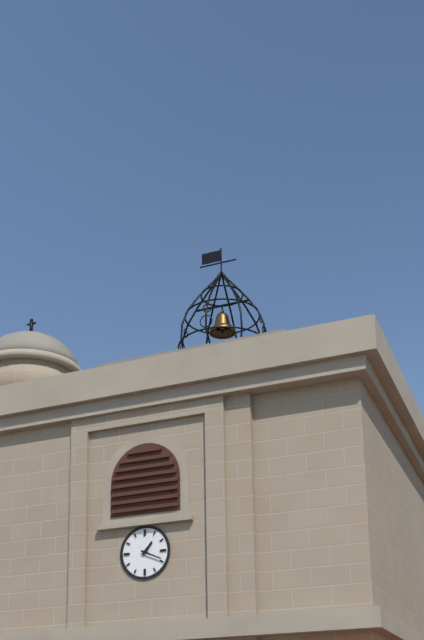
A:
1.19
